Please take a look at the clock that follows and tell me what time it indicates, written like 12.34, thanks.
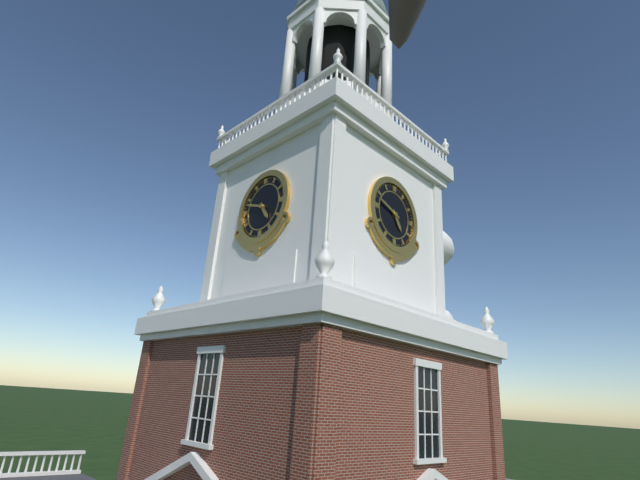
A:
4.48
